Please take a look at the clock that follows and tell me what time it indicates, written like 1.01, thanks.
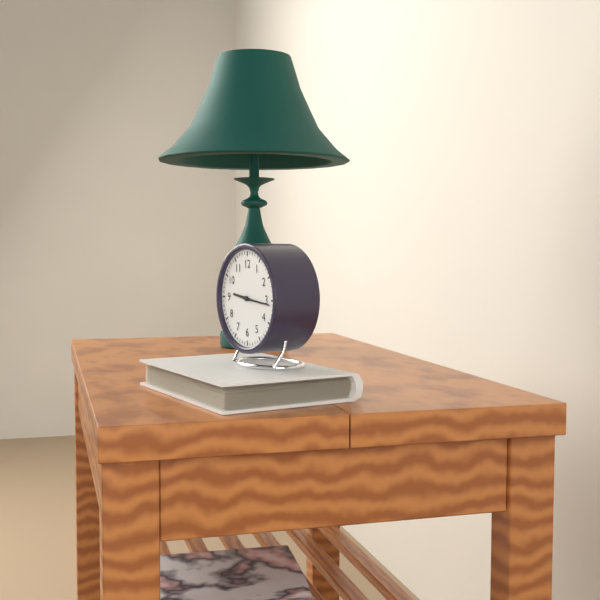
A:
9.16
